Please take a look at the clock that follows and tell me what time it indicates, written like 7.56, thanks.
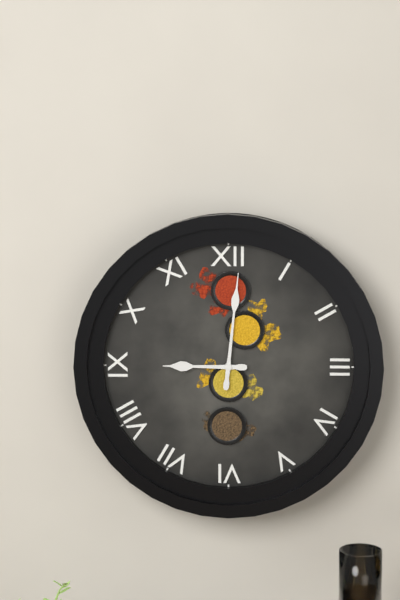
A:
9.01
